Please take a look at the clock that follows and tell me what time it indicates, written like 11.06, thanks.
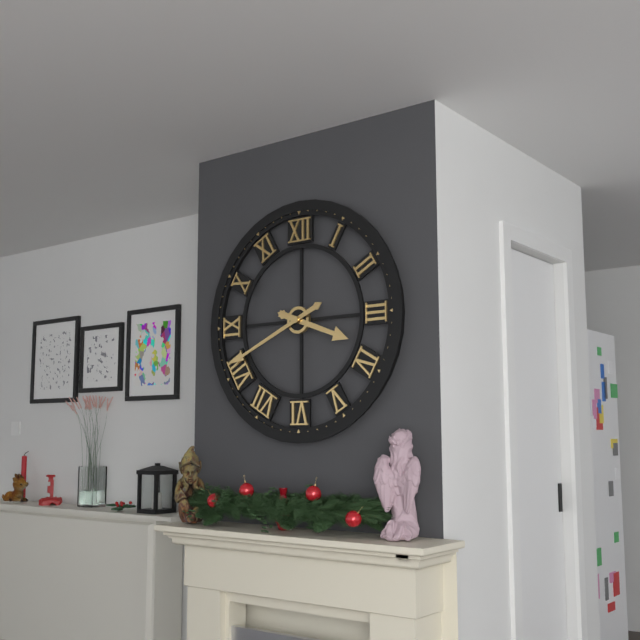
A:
3.41
